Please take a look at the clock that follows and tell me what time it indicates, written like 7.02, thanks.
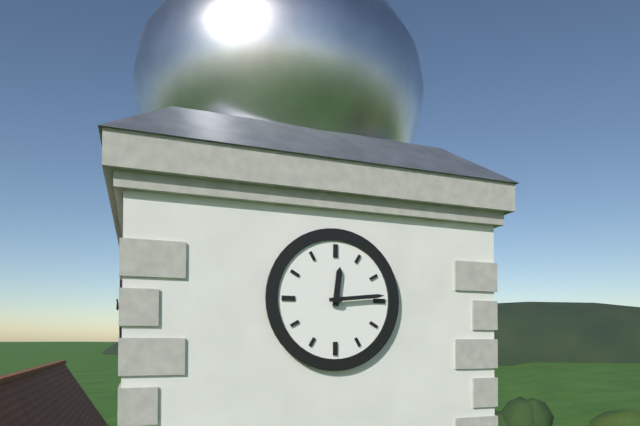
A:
12.14
